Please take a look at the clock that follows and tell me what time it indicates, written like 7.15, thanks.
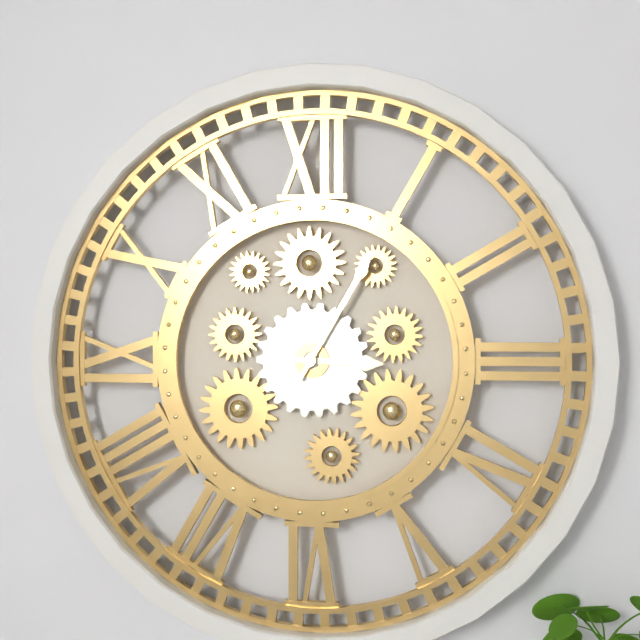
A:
3.05
